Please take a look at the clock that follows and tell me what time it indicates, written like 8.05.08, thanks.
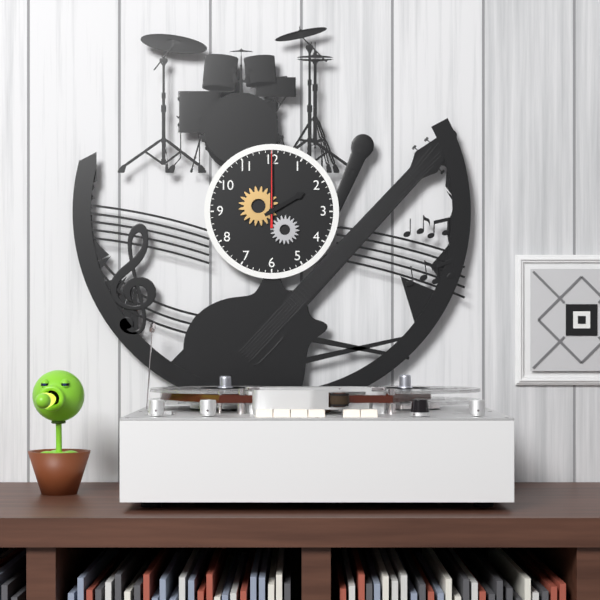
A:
2.00.00
